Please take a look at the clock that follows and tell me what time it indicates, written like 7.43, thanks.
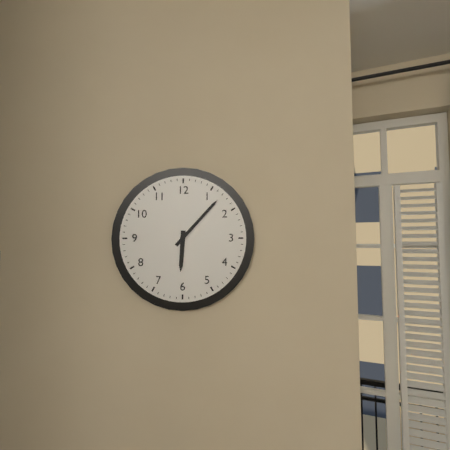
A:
6.07
